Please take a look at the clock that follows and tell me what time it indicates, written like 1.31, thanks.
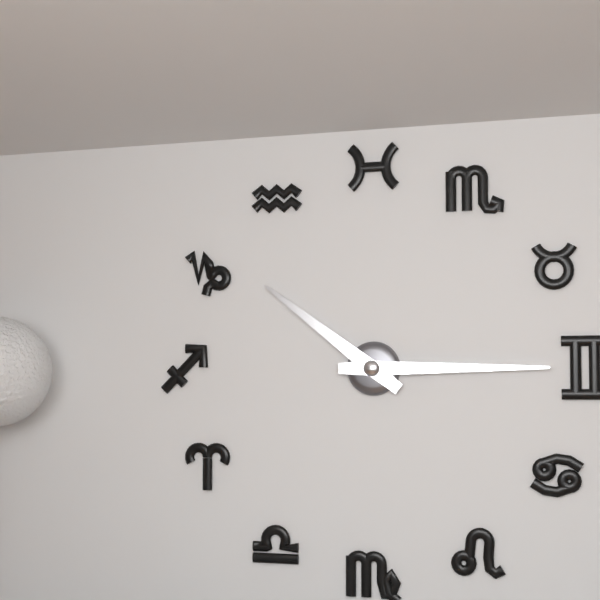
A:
10.15
